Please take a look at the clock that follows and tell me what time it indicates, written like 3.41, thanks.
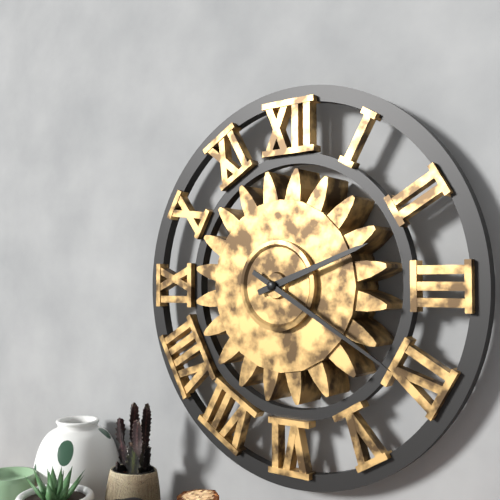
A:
2.20
